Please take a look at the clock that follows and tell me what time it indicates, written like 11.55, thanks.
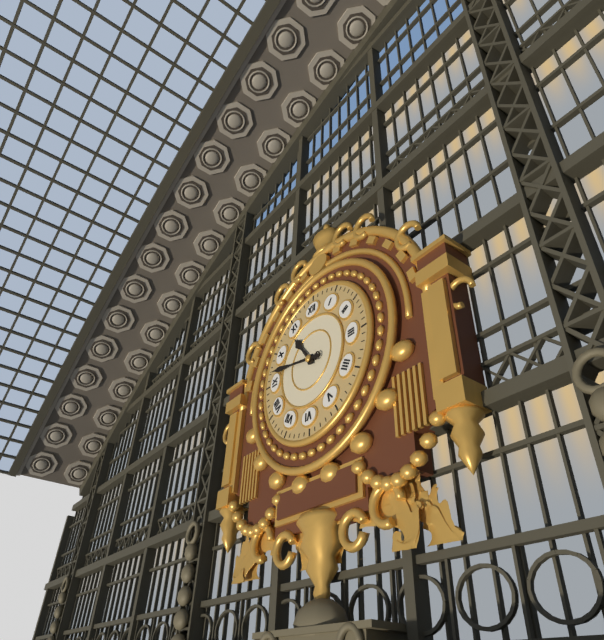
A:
10.47
